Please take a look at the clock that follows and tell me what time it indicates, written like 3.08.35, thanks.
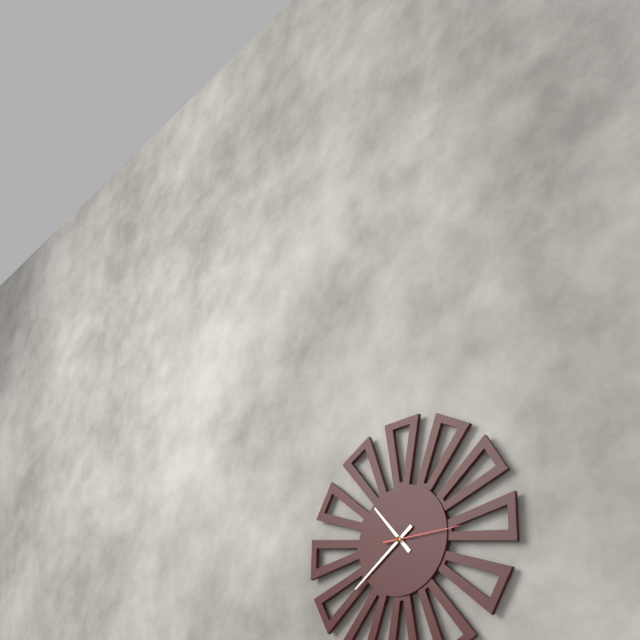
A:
10.39.15
